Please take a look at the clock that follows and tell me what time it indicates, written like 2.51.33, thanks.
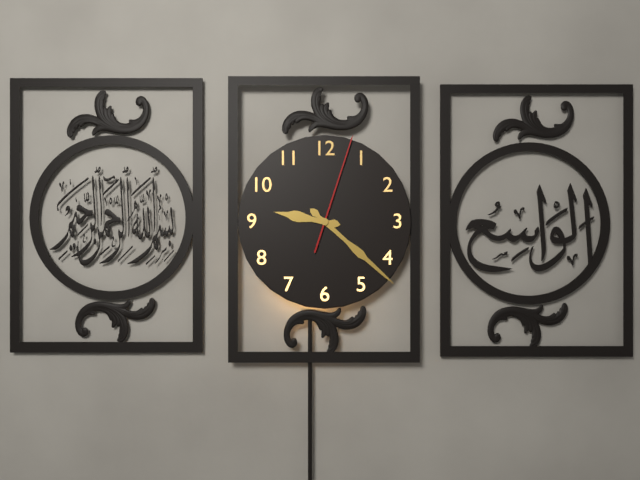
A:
9.22.03
